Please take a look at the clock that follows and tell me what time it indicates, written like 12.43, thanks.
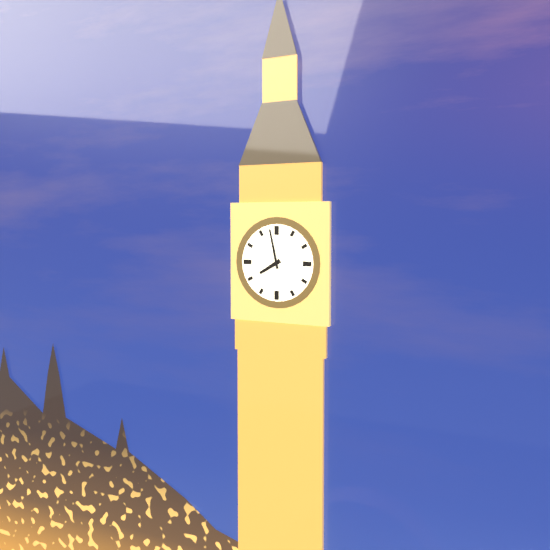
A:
7.58
